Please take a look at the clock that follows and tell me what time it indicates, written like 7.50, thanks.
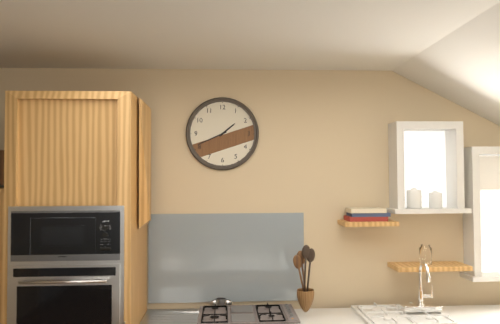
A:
1.41
